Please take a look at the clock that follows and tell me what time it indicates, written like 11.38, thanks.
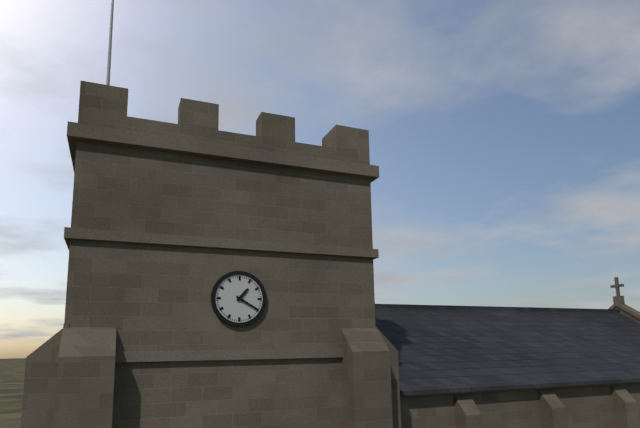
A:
1.20
